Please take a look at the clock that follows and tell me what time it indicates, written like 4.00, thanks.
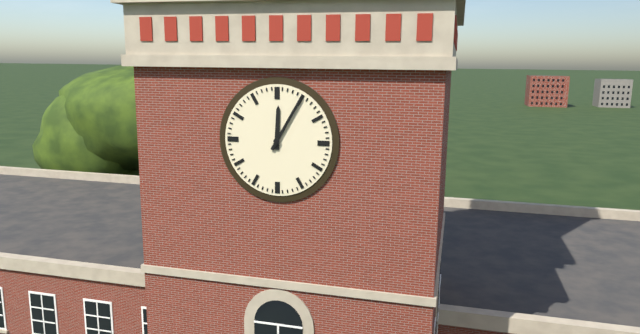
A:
12.05
